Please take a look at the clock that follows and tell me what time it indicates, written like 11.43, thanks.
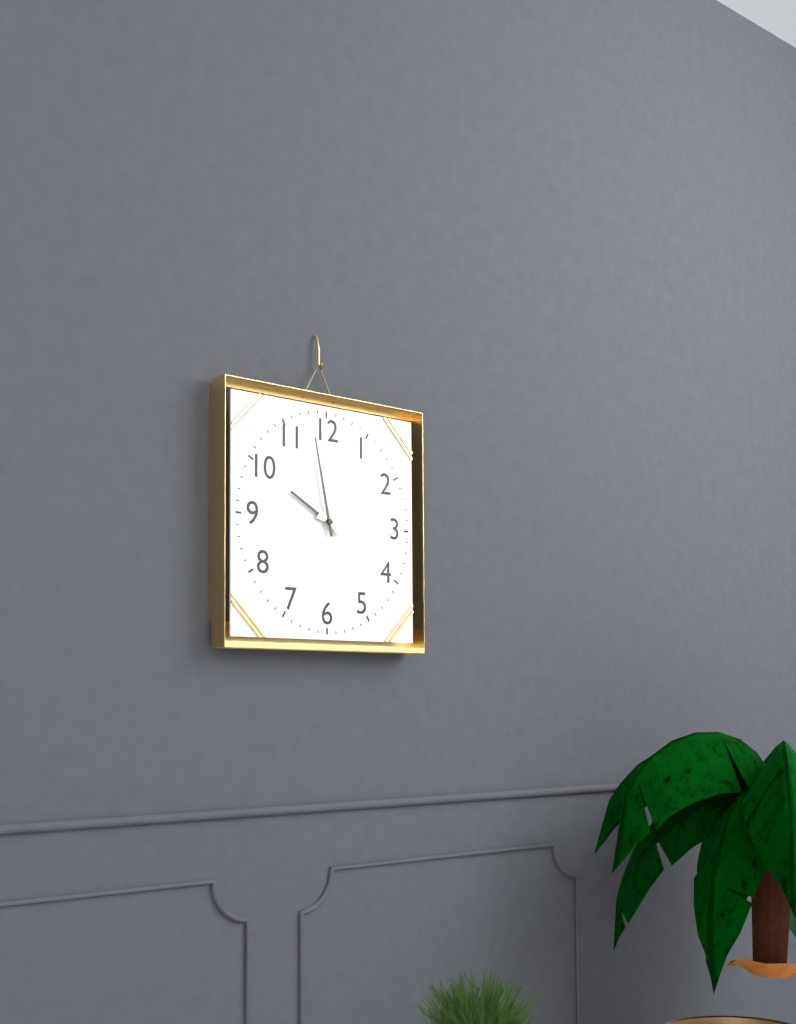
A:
9.58
